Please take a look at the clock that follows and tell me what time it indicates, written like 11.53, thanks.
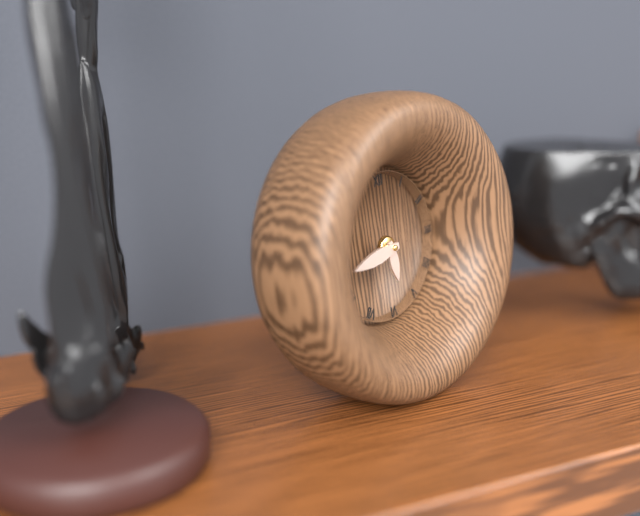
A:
5.44
